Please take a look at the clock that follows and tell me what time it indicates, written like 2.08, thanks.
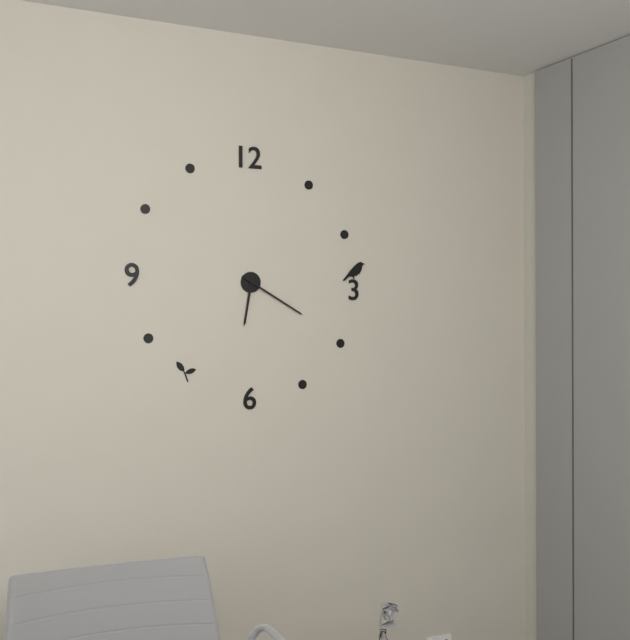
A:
6.20
